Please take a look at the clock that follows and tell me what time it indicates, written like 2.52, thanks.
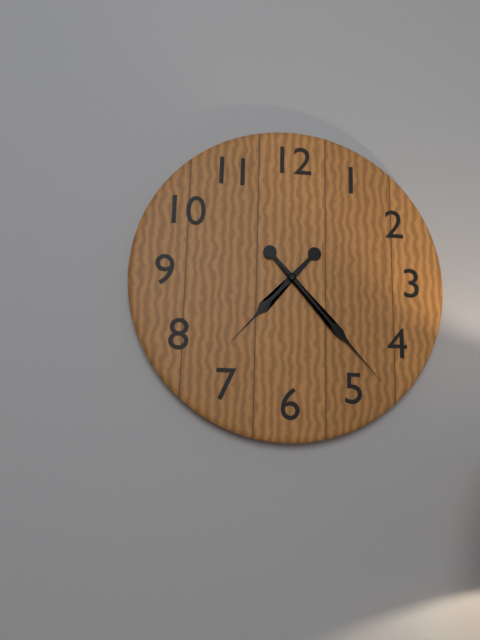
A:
7.23
